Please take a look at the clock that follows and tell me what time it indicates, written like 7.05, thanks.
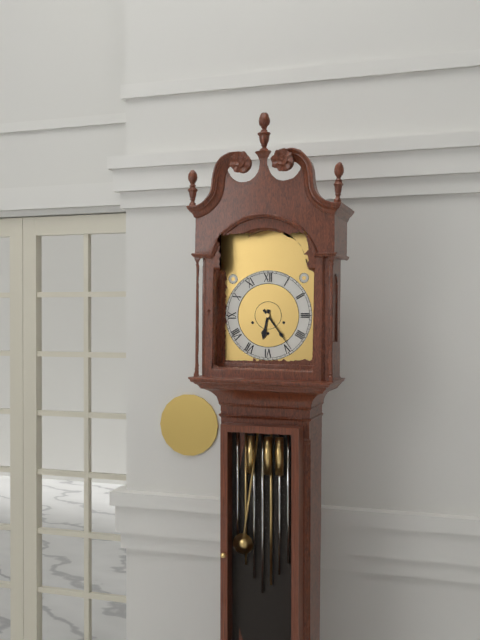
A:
6.24
